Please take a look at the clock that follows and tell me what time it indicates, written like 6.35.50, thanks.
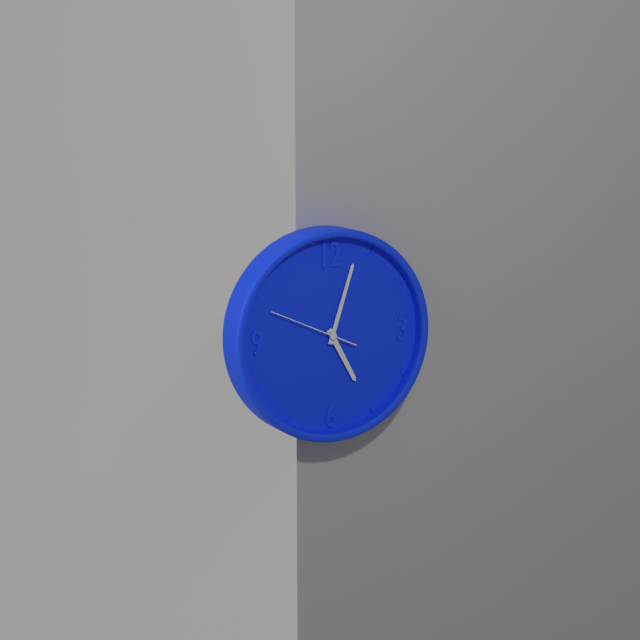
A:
5.03.49
